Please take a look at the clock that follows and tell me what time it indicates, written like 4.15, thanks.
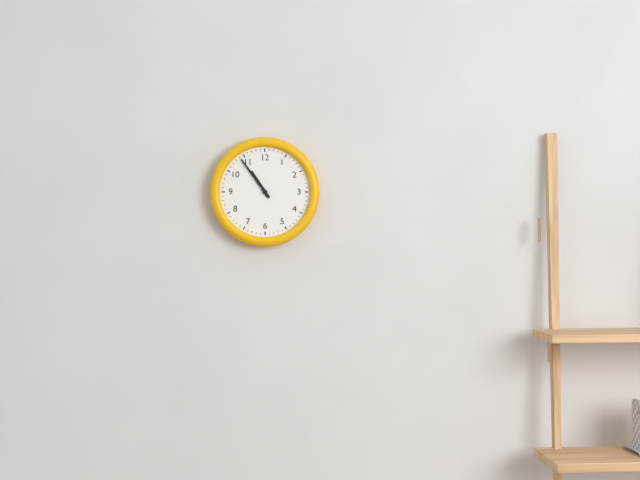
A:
10.54
